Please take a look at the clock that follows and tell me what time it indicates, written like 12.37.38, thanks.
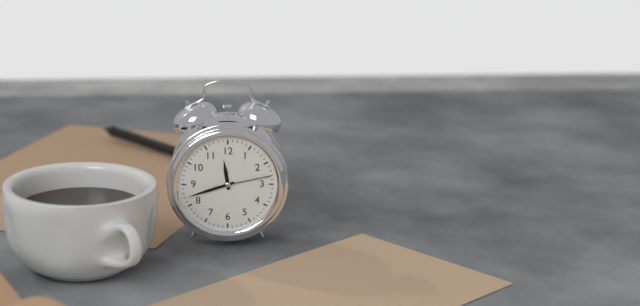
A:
11.42.13
